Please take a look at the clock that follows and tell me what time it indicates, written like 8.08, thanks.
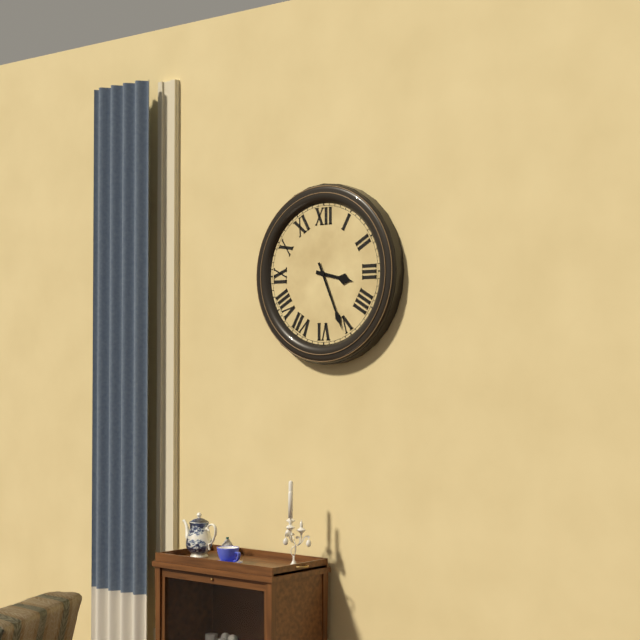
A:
3.26
